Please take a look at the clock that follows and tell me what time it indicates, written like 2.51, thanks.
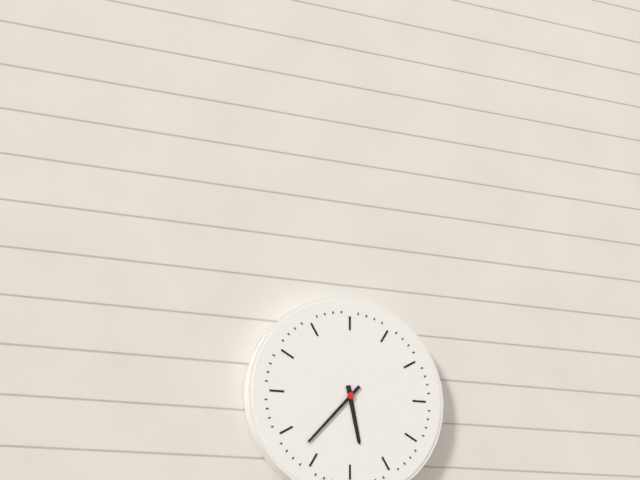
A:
5.37
